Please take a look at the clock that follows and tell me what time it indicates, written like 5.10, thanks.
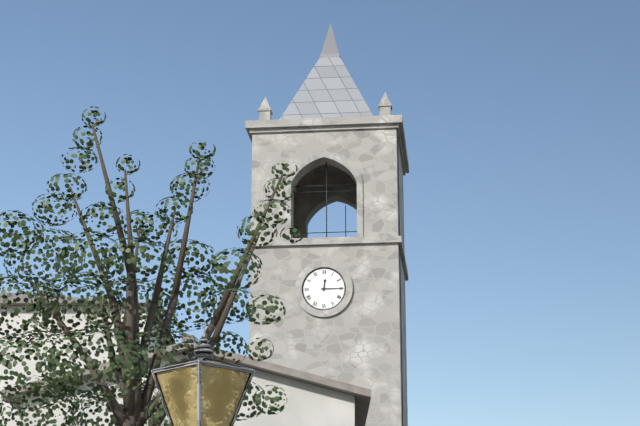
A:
12.15
